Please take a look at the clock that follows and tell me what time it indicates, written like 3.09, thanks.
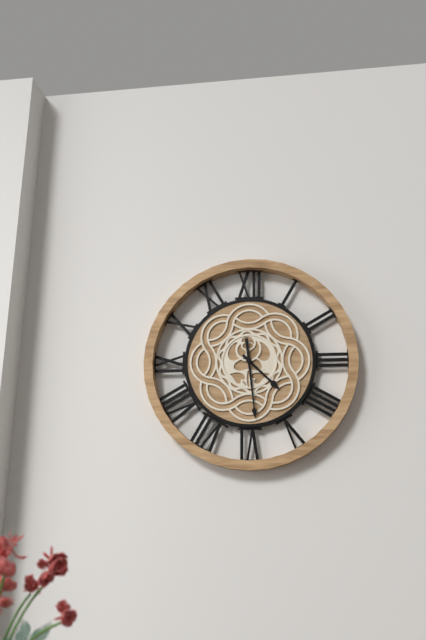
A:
4.29
